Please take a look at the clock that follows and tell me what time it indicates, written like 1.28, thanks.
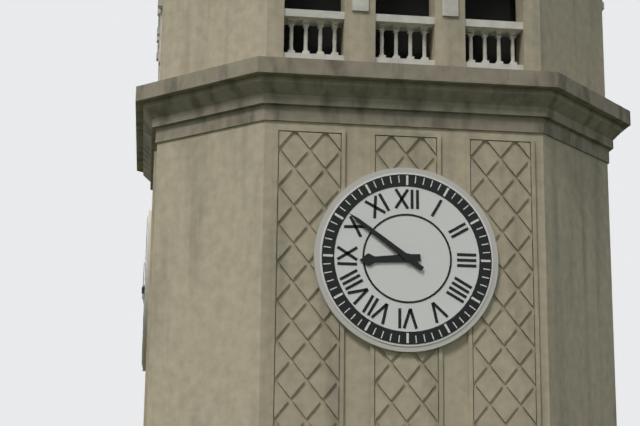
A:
8.51
